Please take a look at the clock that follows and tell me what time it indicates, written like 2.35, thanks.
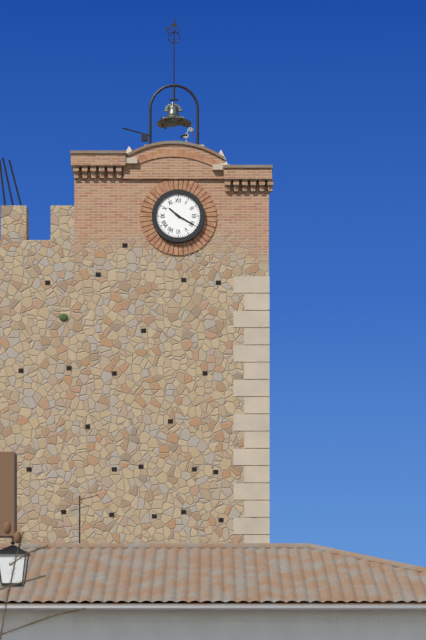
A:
10.20
